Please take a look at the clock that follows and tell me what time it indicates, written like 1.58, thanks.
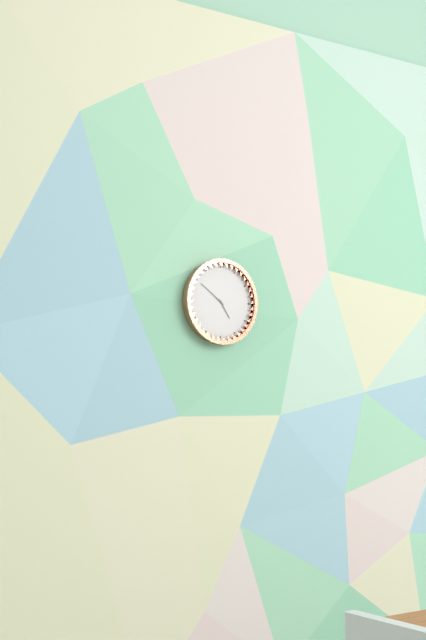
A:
4.51
